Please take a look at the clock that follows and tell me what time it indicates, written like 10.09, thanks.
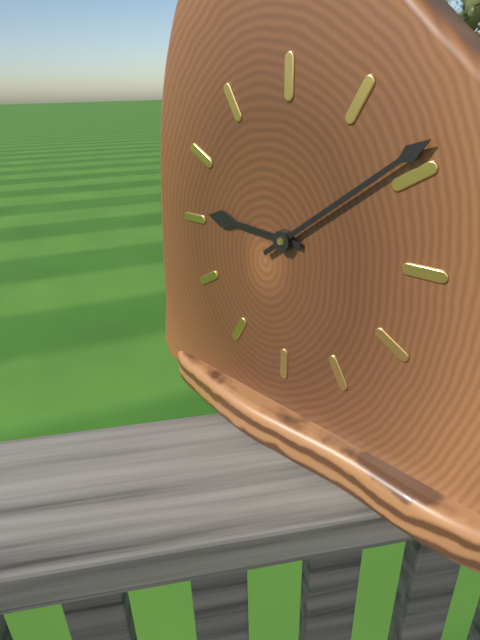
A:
9.09
